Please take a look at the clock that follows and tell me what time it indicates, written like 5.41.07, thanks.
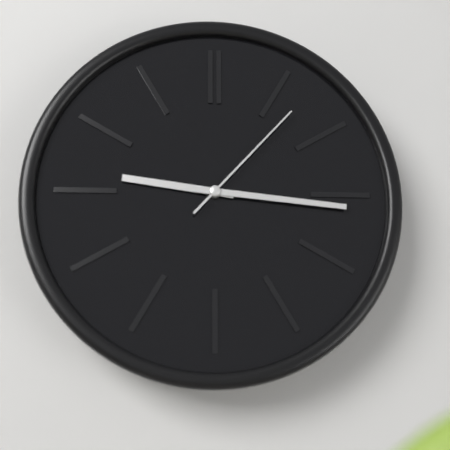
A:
9.16.07
